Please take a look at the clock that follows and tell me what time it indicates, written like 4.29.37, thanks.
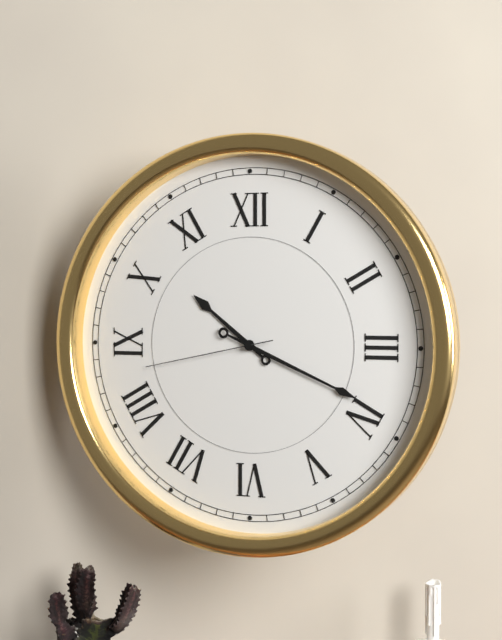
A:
10.19.43
